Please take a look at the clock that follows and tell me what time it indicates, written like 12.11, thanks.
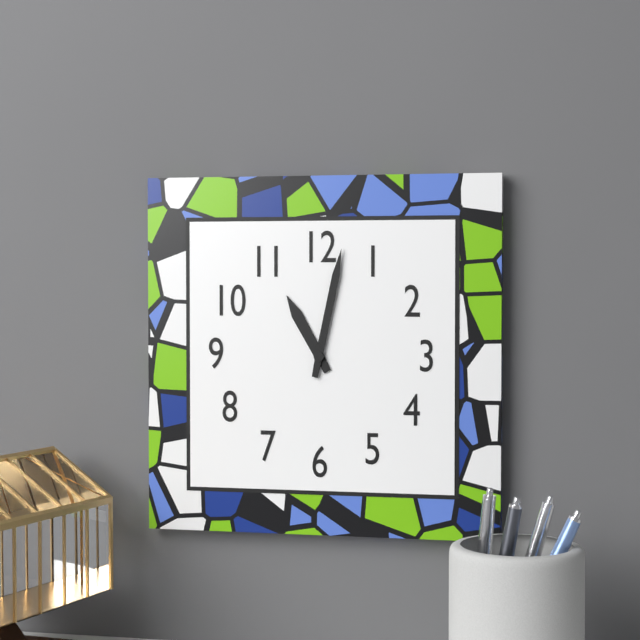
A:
11.02
